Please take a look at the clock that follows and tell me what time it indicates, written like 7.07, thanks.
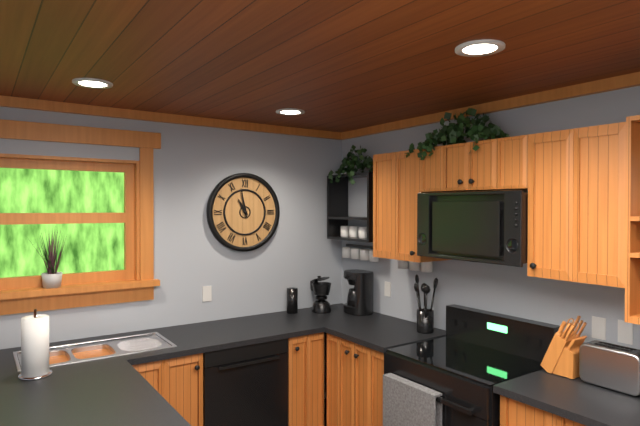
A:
10.58
